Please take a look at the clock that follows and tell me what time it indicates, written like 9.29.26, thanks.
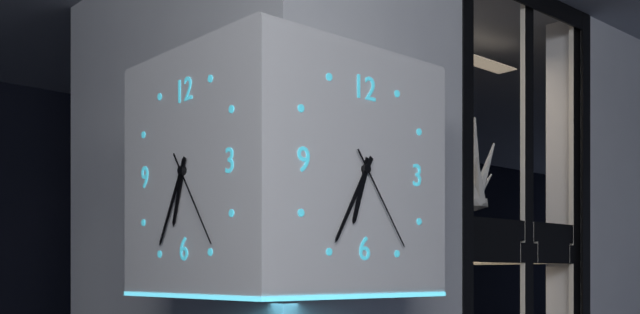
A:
6.35.24
